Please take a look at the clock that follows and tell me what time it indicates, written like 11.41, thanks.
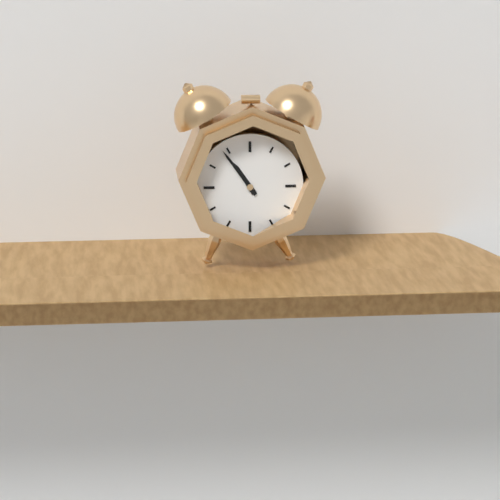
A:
10.54
